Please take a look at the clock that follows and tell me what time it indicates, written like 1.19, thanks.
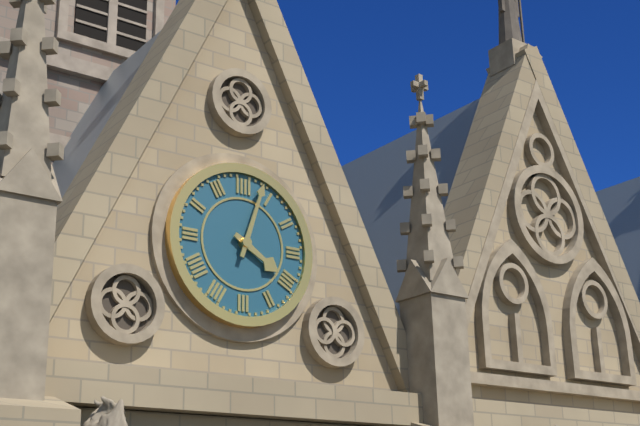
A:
4.03
